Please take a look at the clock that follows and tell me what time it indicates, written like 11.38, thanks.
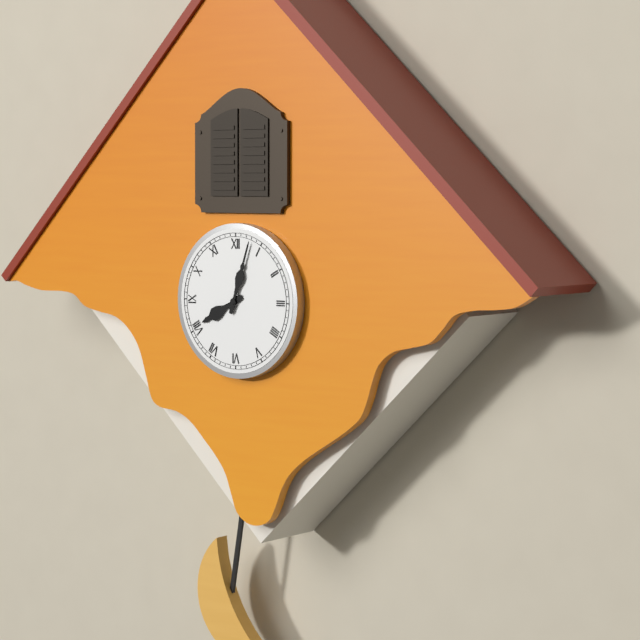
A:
8.03
